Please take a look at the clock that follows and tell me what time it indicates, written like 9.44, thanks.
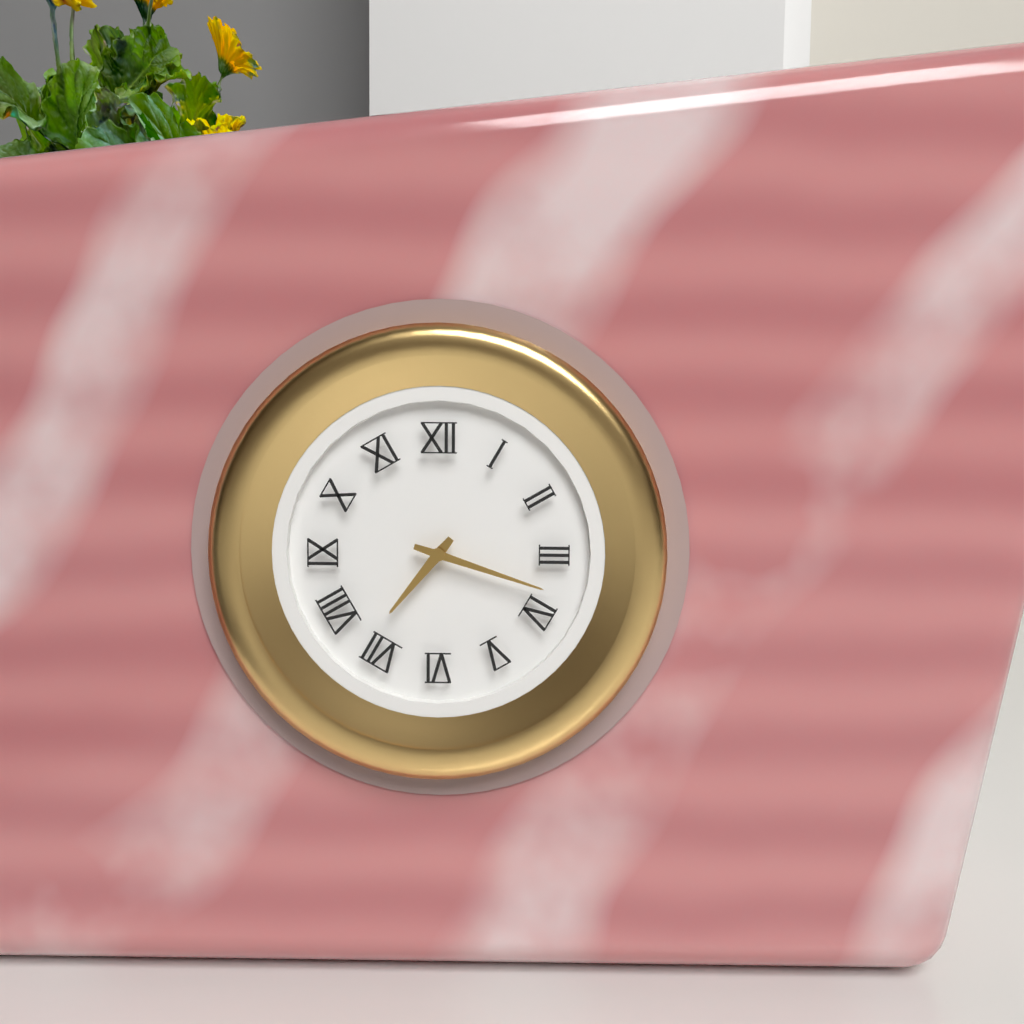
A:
7.18
